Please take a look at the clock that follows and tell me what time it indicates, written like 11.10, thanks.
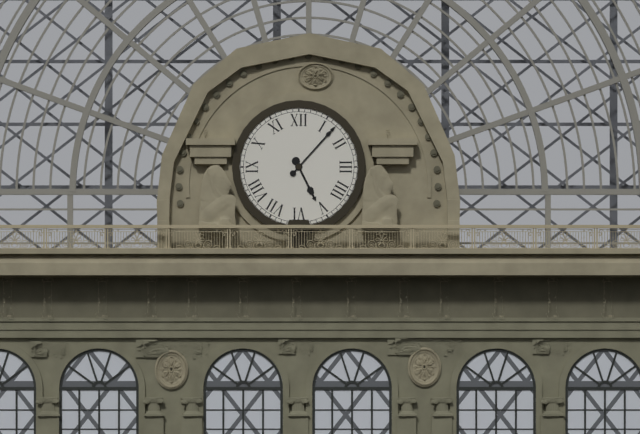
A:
5.07
